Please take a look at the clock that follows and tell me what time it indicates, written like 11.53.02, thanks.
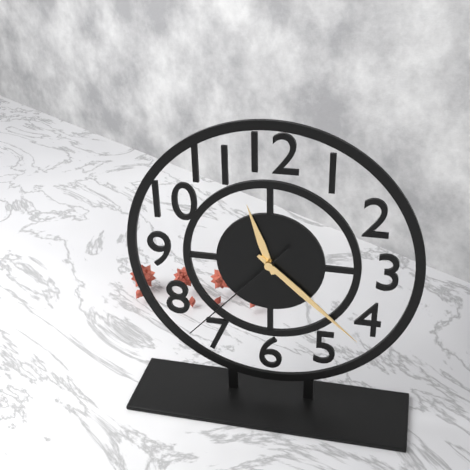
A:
11.22.37
